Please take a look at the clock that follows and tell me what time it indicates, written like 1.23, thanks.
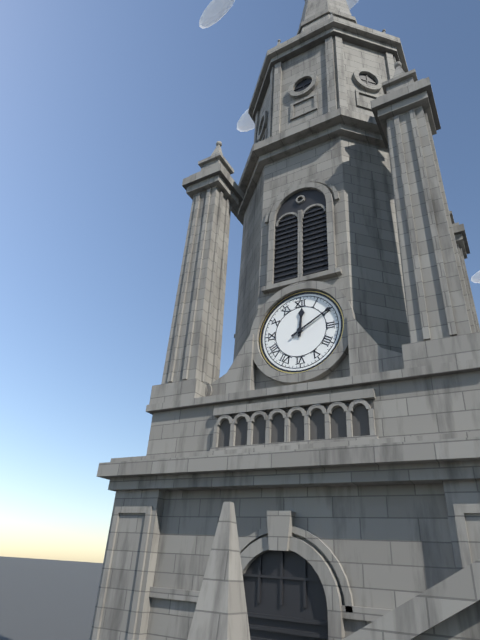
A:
12.10
